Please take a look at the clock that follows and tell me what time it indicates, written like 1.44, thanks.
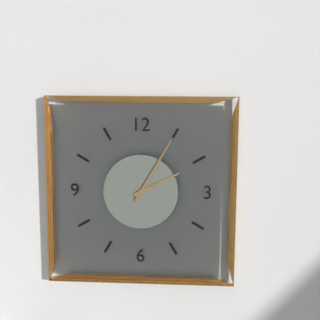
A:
2.05
